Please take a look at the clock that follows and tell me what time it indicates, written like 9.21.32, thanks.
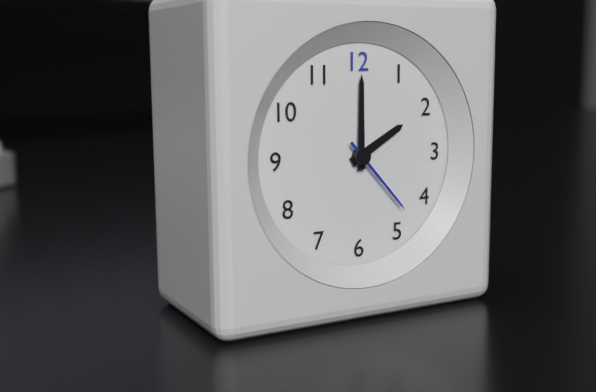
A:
2.00.23
